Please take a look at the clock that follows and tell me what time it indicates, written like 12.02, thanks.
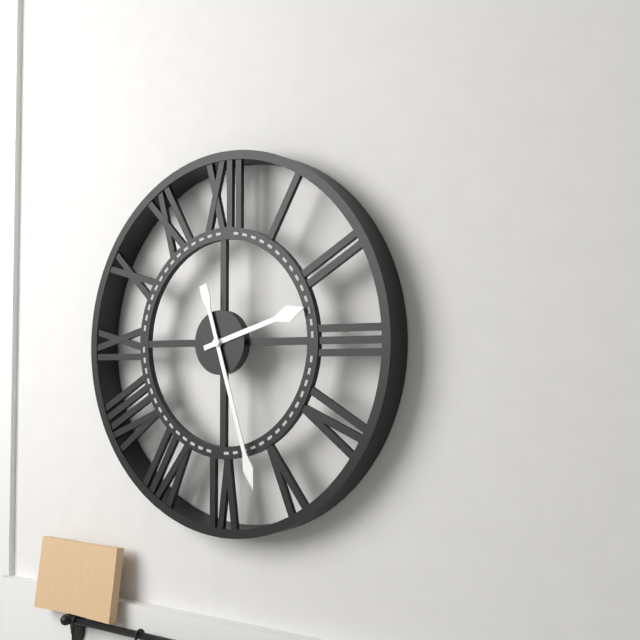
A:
2.27
